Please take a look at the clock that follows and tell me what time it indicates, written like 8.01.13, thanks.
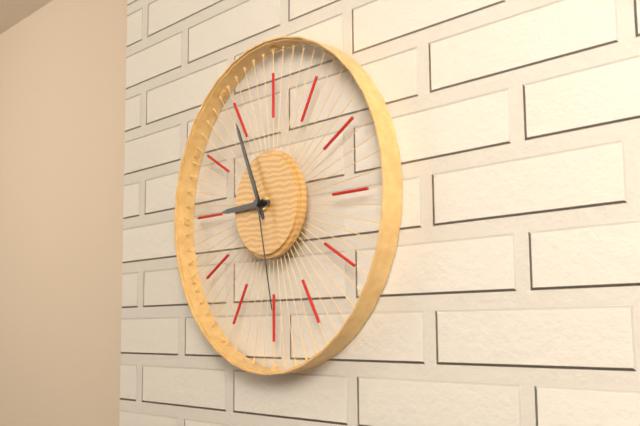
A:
8.56.28
